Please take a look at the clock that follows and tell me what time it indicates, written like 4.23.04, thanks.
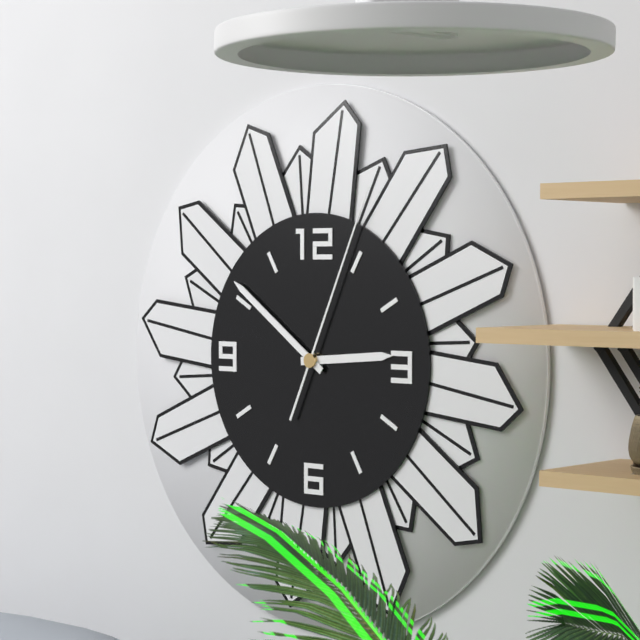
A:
2.51.04
